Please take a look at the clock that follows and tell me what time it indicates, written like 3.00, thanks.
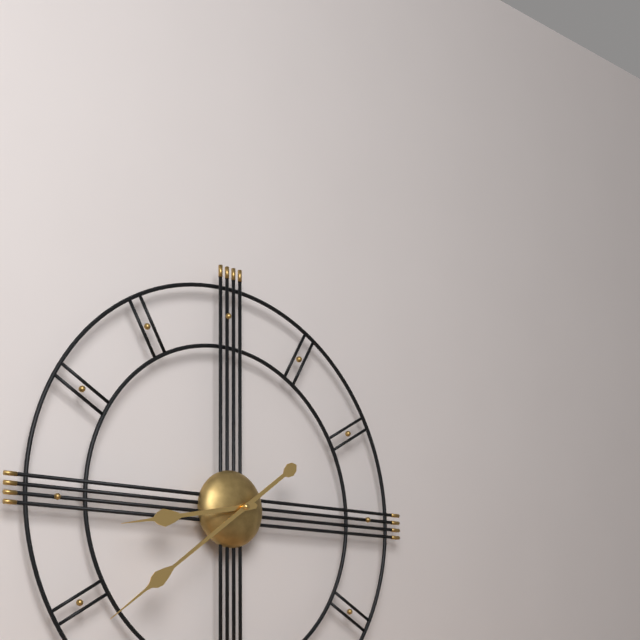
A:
8.39
